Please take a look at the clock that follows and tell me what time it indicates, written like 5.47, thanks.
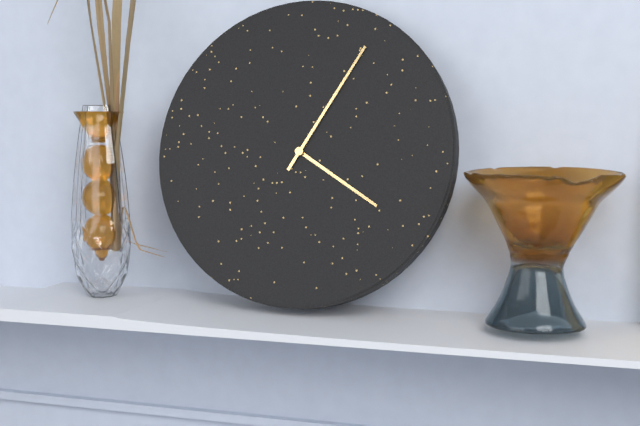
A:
4.05
